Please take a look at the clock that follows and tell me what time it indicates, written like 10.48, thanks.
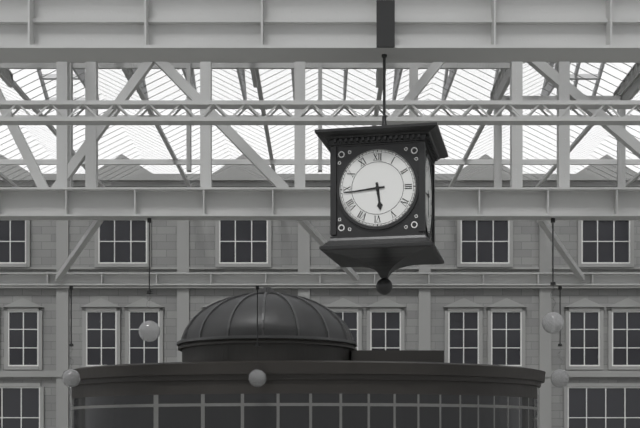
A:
5.44
